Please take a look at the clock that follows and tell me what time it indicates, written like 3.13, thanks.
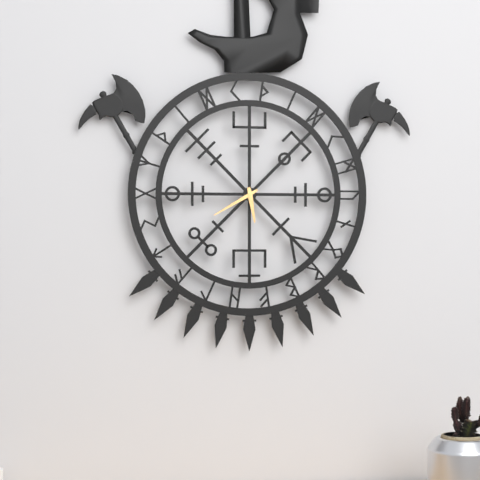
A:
5.40
